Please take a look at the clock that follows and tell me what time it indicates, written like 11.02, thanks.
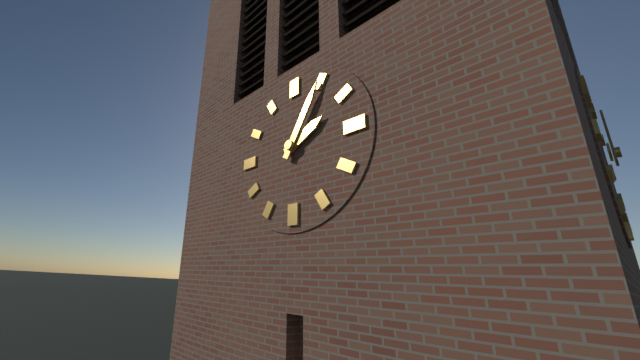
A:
2.05
